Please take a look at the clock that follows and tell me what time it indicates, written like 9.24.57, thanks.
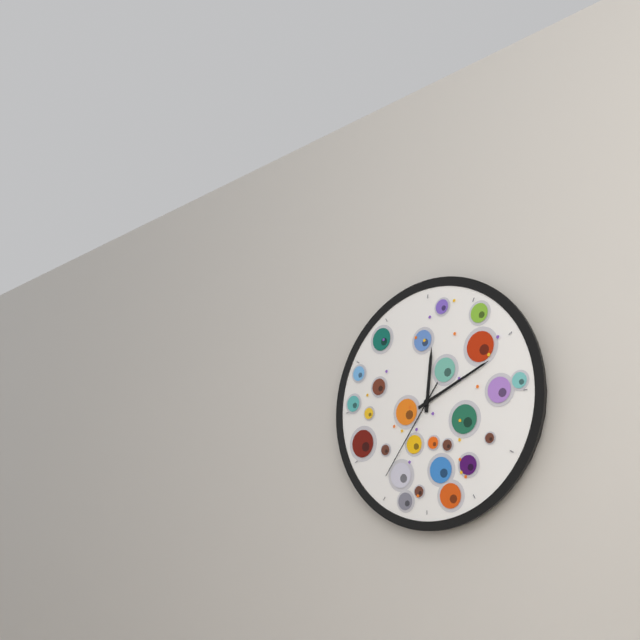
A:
12.11.36
